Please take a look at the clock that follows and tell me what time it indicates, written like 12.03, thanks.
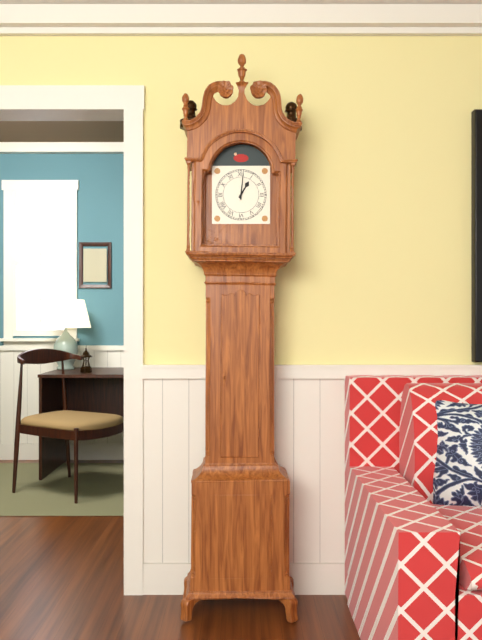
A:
1.01
